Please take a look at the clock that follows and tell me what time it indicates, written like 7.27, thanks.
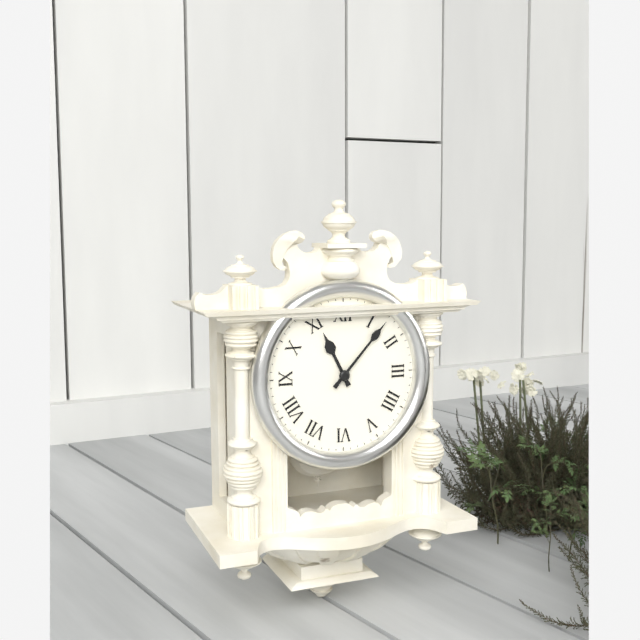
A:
11.07
